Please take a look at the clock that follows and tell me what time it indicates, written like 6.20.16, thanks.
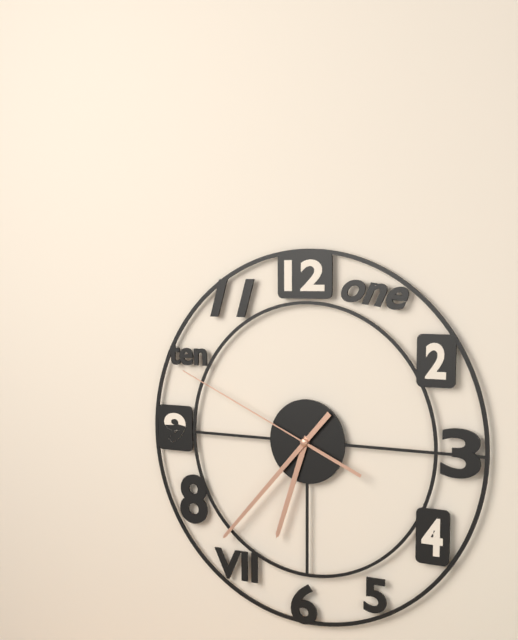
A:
6.37.49
